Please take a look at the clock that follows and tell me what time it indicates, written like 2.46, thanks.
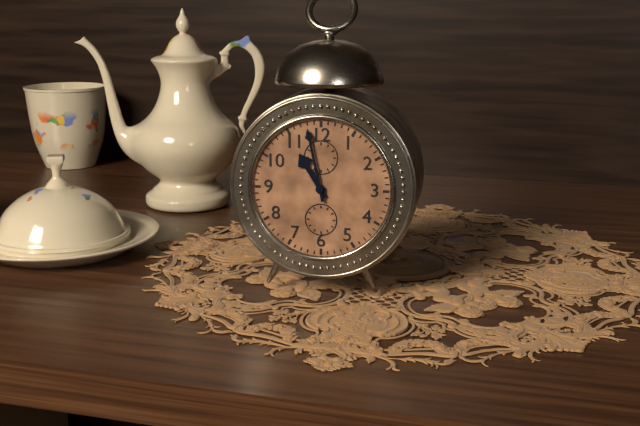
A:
10.58
